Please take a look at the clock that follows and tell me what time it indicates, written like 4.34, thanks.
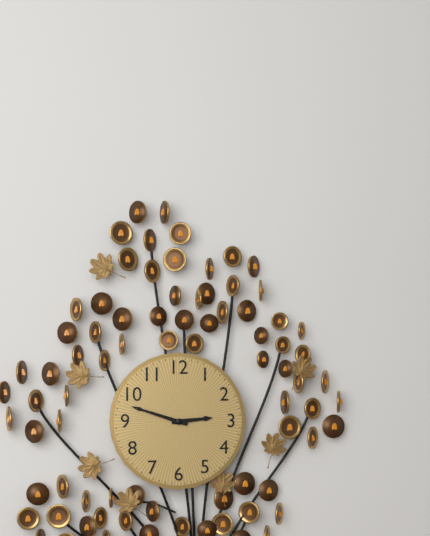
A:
2.48
